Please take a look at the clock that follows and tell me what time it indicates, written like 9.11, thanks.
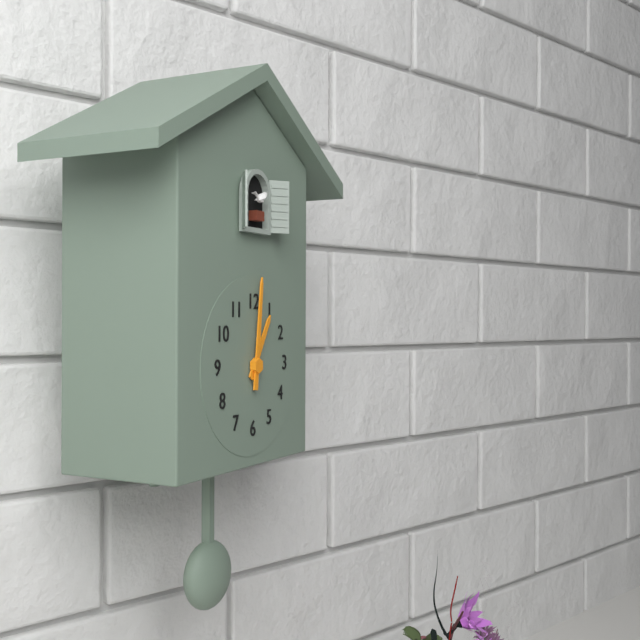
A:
1.01
